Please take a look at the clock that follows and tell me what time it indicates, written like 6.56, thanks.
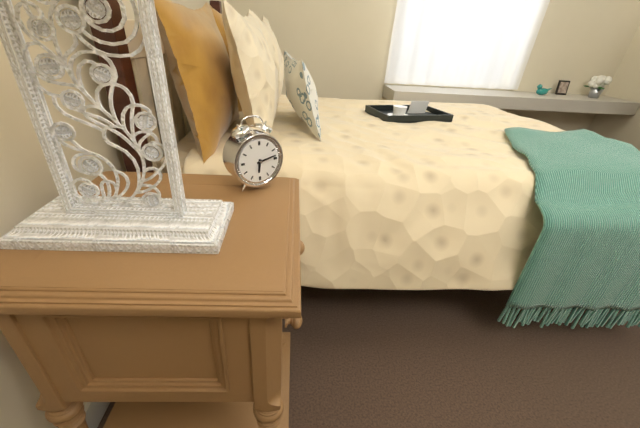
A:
6.13
